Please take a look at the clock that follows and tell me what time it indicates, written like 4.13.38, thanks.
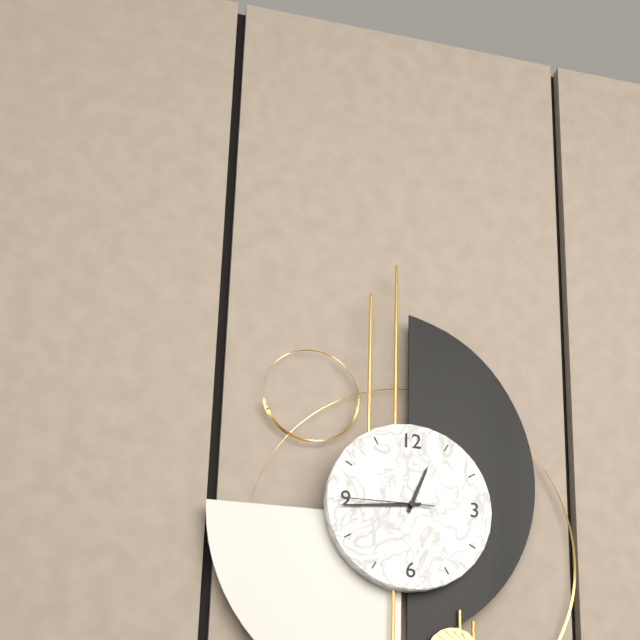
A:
12.44.45
